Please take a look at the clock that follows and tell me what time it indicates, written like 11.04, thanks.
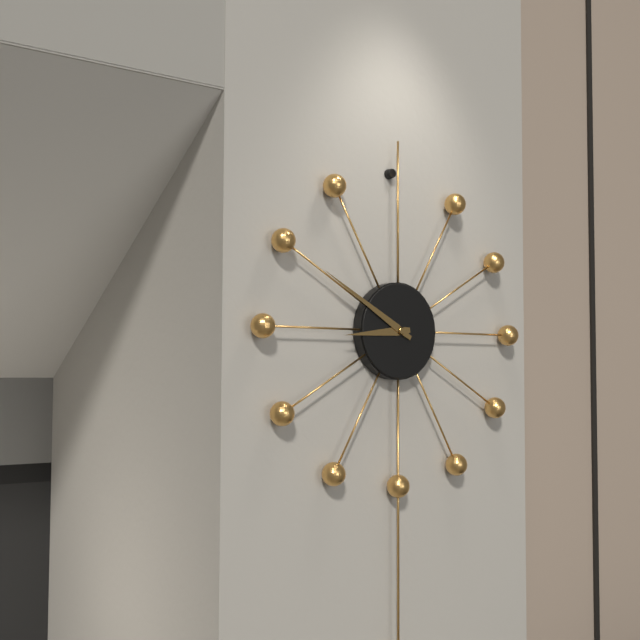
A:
8.50
